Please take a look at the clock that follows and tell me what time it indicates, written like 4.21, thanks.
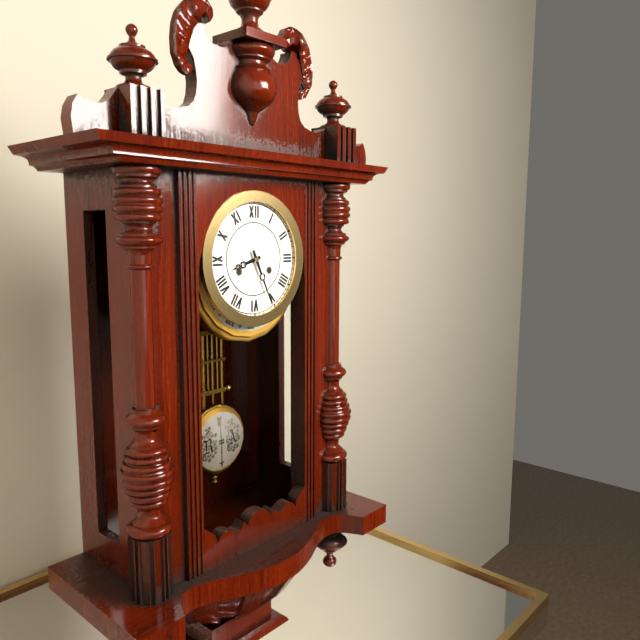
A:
8.26
